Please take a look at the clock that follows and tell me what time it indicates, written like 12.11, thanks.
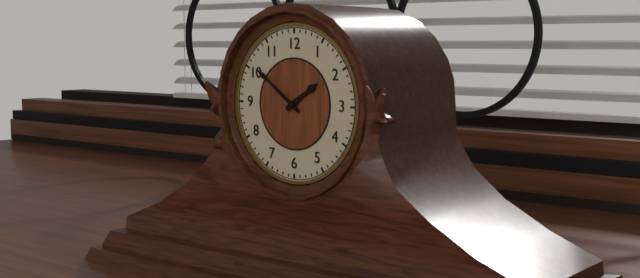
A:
1.51
